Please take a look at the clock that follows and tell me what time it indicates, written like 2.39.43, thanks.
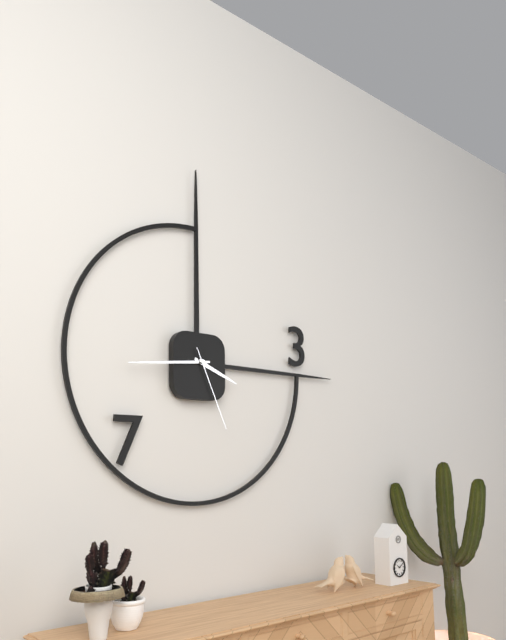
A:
3.44.26
